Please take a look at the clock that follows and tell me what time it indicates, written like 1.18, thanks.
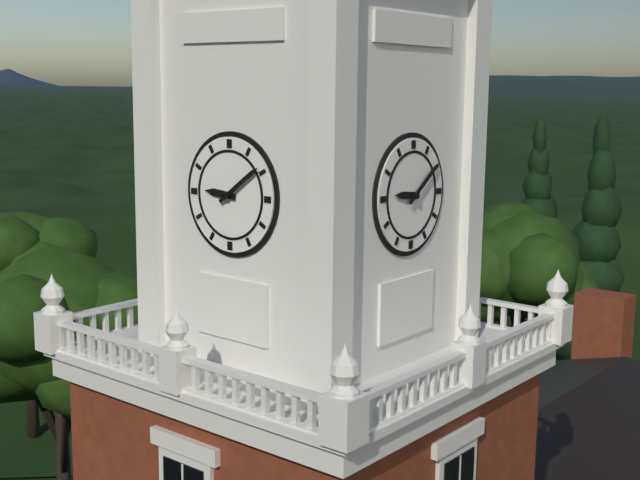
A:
9.09
